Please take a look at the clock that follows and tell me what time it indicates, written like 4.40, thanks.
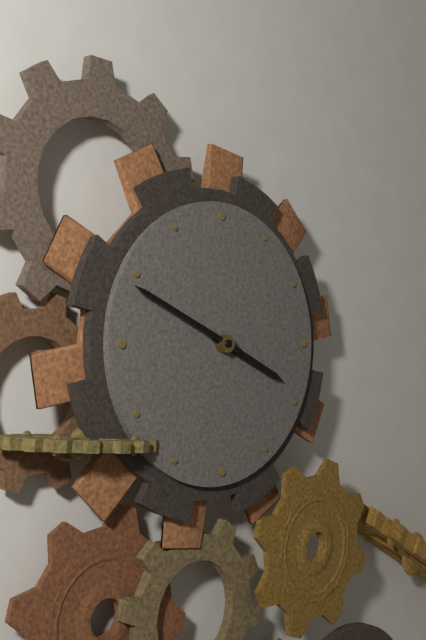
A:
3.49
